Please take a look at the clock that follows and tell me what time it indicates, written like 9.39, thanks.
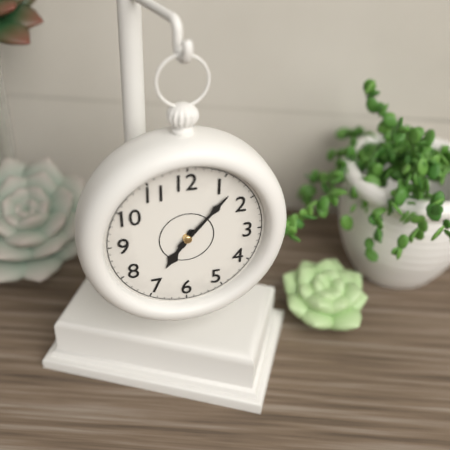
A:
7.07
